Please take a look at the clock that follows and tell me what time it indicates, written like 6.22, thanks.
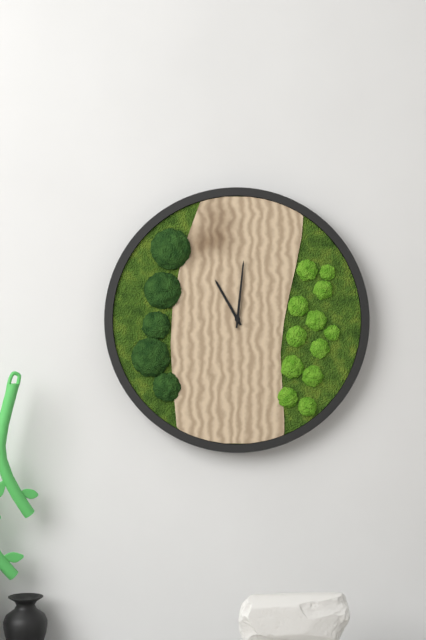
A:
11.01
